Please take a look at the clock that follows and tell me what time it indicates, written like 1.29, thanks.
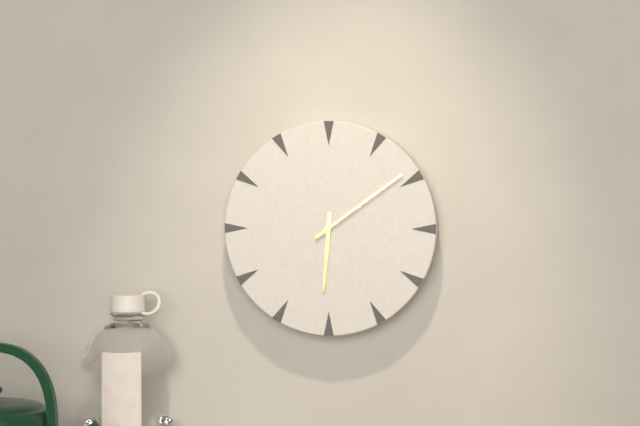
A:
6.09
